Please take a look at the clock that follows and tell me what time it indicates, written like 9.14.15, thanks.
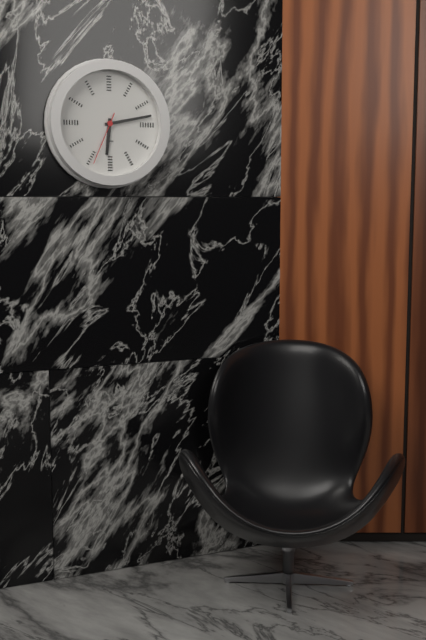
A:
6.13.34
